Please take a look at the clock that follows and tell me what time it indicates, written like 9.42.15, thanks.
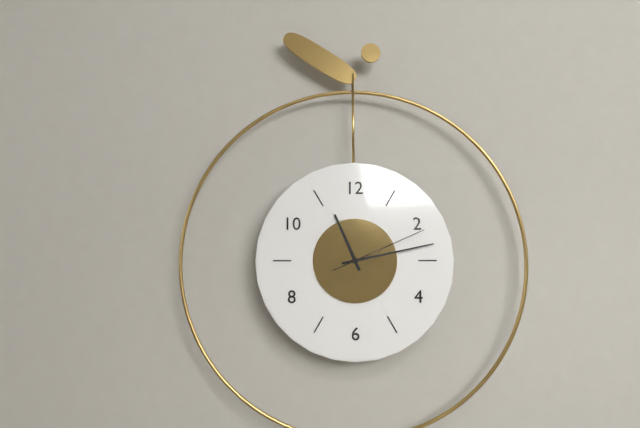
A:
11.13.11
